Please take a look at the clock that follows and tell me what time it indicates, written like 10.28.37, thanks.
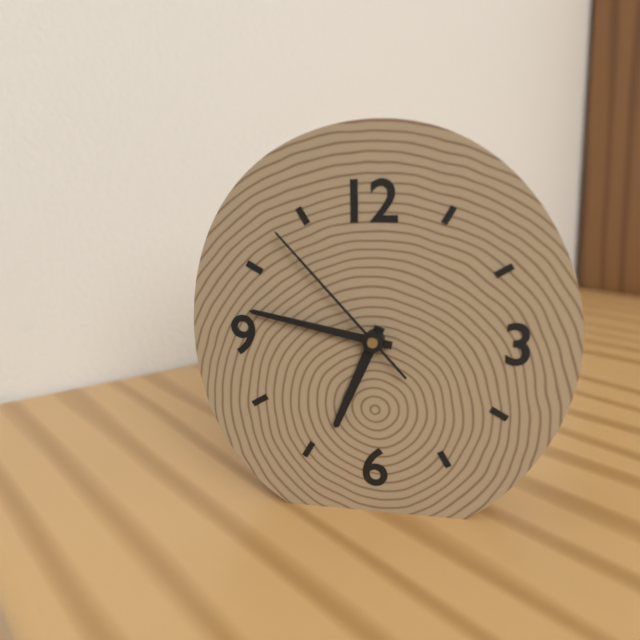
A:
6.47.53
